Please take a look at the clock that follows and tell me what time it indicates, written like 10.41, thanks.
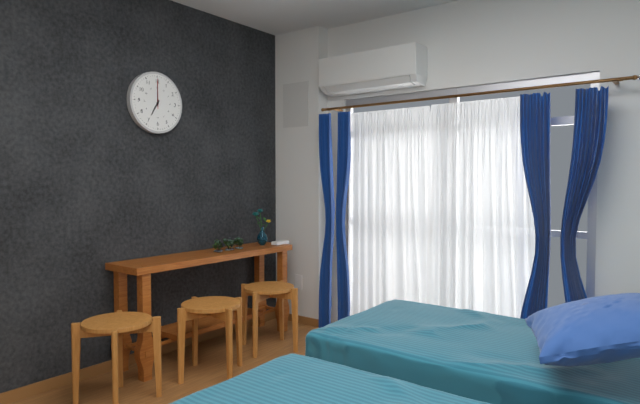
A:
7.00
